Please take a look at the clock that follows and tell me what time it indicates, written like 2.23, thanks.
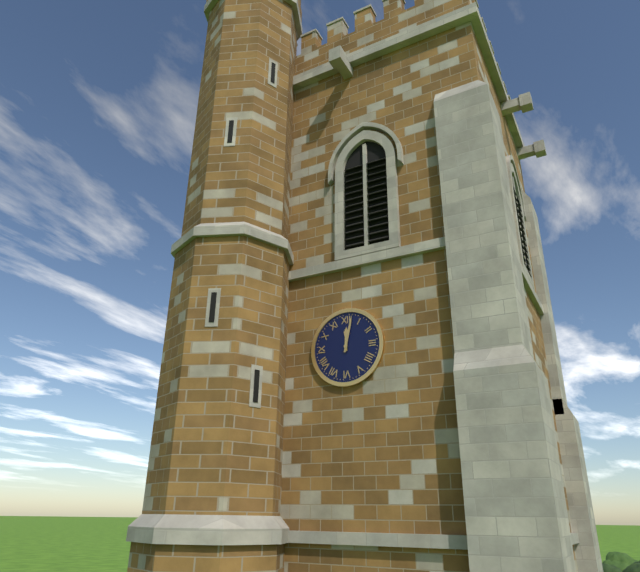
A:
12.02
